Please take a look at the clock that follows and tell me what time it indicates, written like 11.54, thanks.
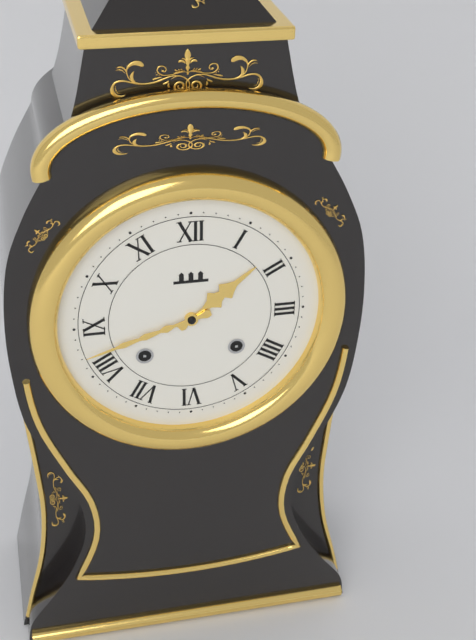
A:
1.42
